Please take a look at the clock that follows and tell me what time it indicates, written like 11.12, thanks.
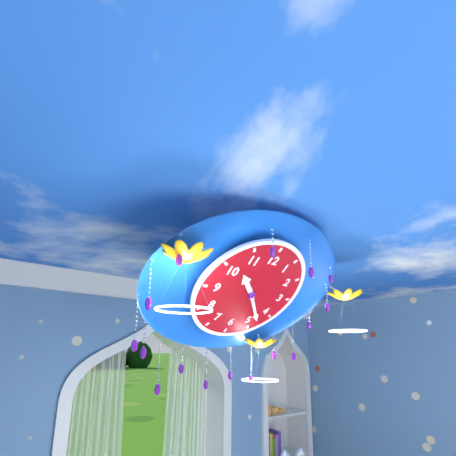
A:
10.23
